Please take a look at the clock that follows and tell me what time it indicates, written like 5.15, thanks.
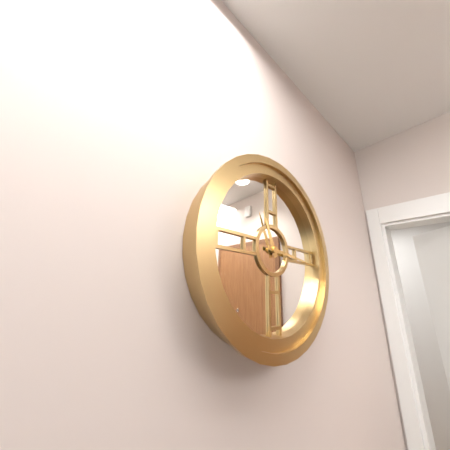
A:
11.16
